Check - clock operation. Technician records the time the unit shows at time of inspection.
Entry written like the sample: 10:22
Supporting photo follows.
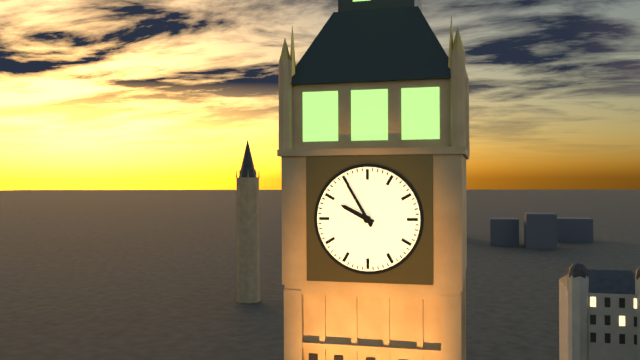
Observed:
9:55
